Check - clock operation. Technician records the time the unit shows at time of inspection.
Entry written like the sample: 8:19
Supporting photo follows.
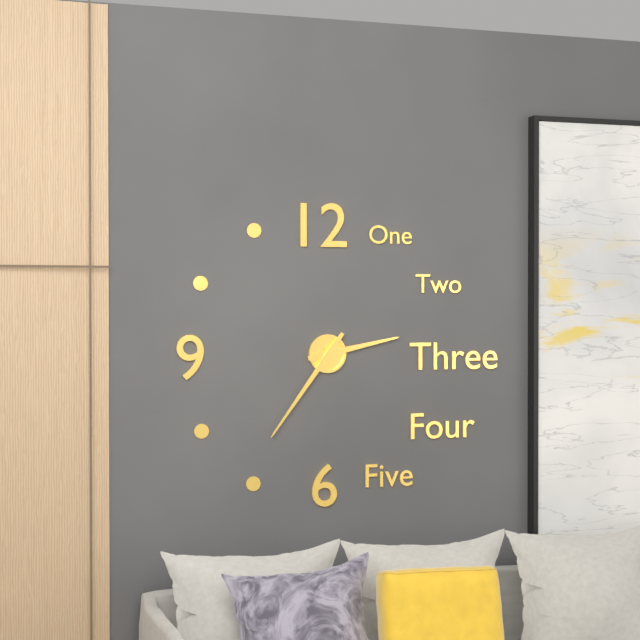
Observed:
2:36
